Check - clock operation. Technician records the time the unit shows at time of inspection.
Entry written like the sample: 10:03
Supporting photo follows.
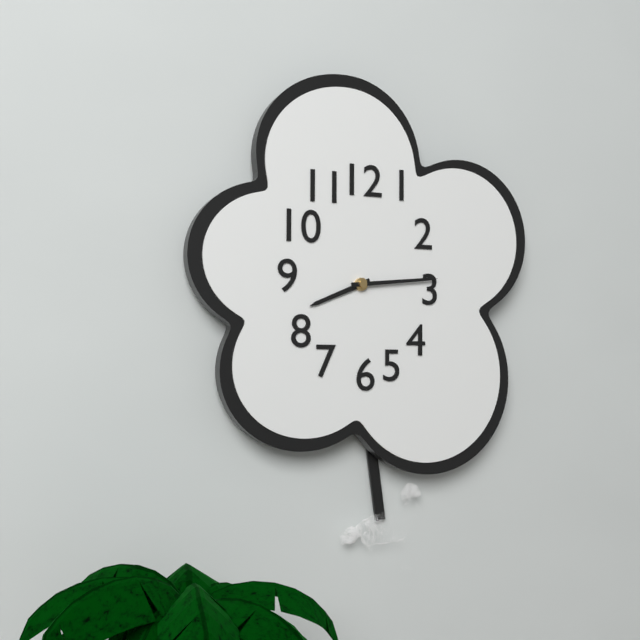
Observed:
8:14
